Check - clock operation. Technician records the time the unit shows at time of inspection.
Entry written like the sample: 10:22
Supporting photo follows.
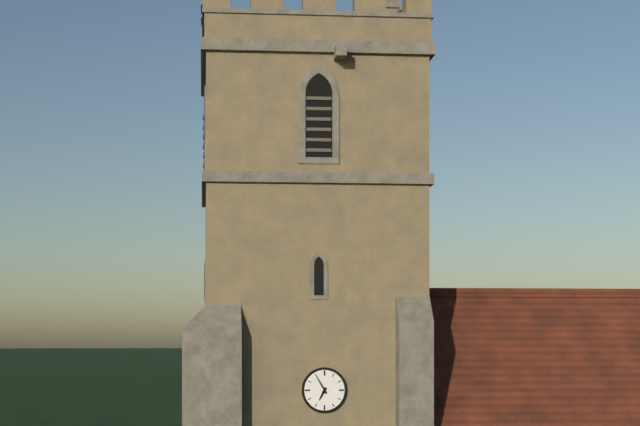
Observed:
6:55
